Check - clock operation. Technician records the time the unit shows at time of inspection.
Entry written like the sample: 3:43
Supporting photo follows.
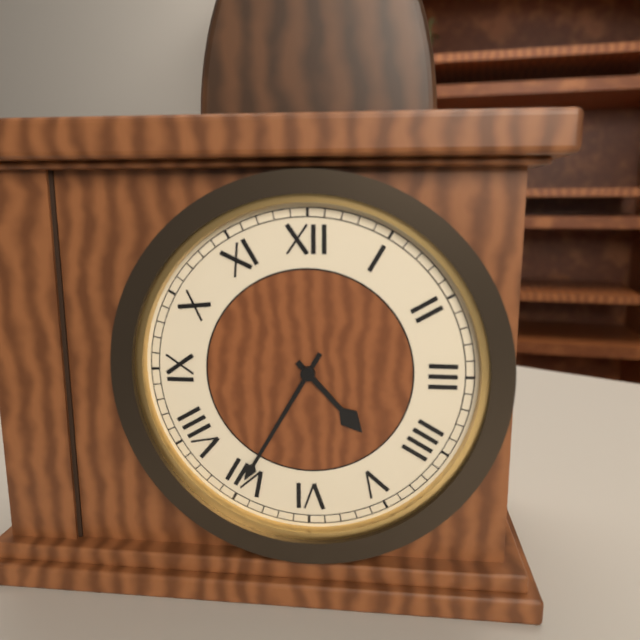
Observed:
4:35
